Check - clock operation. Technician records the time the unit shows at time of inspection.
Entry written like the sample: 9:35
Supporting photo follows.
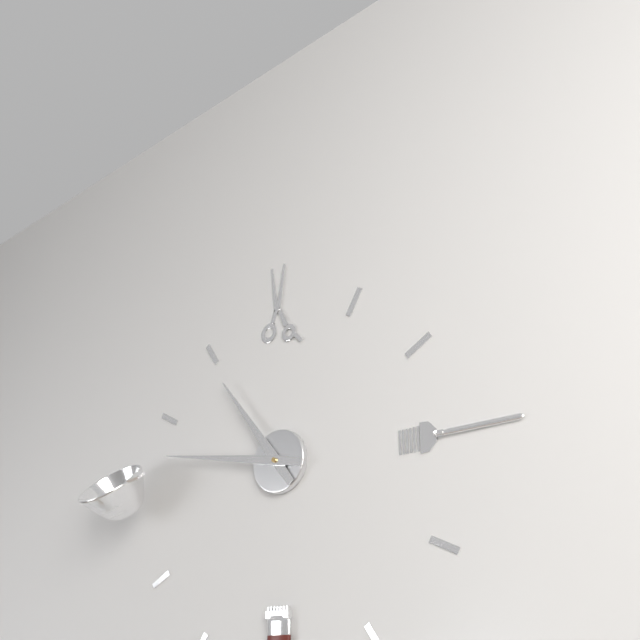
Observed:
10:47
